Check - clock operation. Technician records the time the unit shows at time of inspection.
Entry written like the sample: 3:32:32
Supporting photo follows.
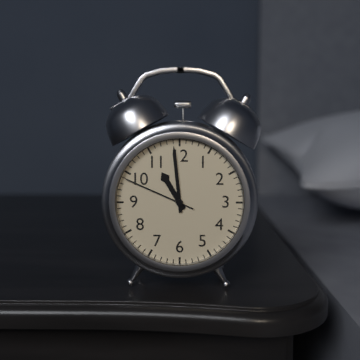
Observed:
10:59:49
